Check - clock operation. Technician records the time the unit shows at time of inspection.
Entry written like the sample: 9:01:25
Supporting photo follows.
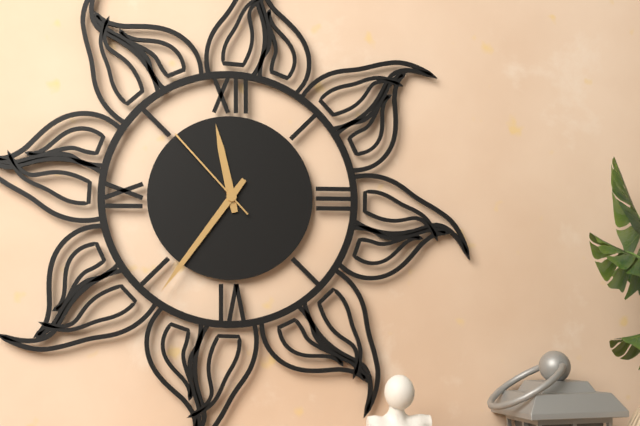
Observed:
11:36:53
